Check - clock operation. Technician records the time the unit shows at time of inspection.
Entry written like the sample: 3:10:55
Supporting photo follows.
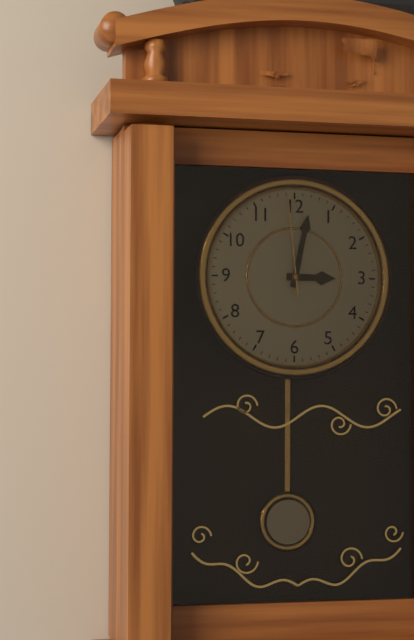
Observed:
3:02:59
